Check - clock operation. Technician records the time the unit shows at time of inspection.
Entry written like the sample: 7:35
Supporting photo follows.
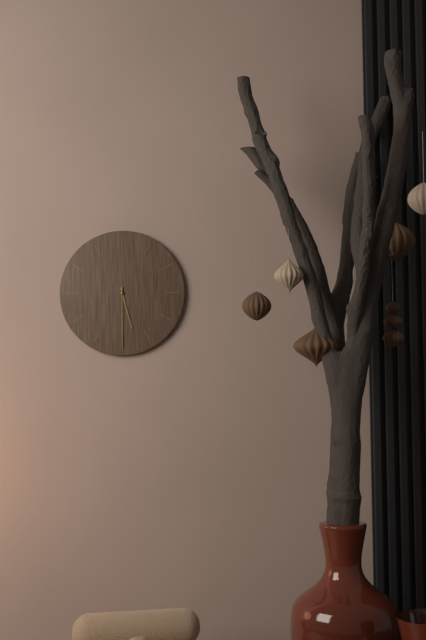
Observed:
5:30
